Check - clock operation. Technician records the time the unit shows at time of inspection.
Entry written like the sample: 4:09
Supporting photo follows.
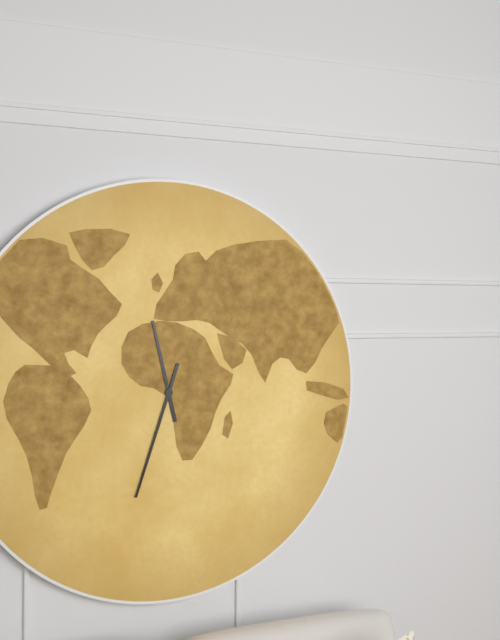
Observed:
11:33
